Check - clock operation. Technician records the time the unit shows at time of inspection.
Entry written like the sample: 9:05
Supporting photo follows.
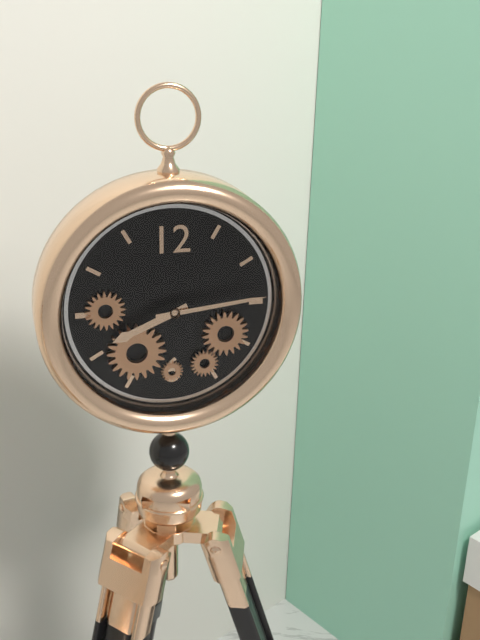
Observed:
8:14
